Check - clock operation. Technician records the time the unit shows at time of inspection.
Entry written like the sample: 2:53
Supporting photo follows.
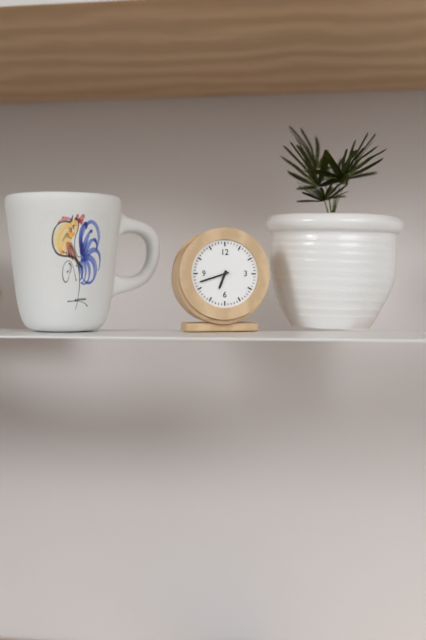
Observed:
6:42
